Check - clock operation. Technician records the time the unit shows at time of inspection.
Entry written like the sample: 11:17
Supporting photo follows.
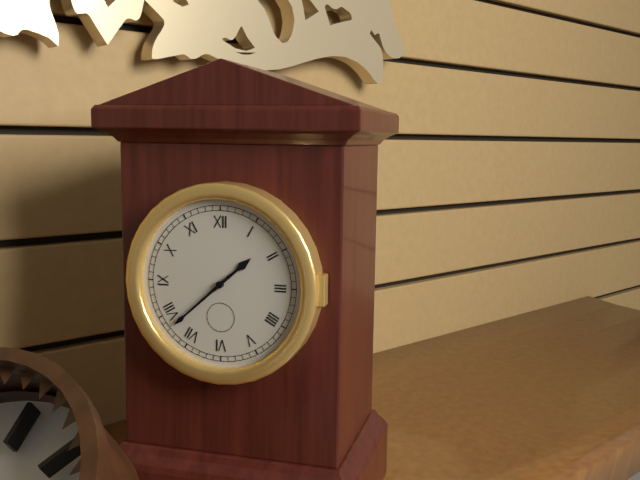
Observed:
1:38
